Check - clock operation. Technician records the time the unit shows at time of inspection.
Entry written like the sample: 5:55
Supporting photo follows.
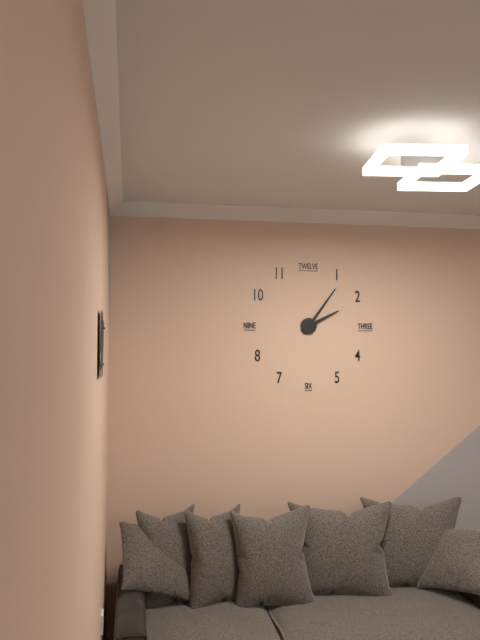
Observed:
2:06
